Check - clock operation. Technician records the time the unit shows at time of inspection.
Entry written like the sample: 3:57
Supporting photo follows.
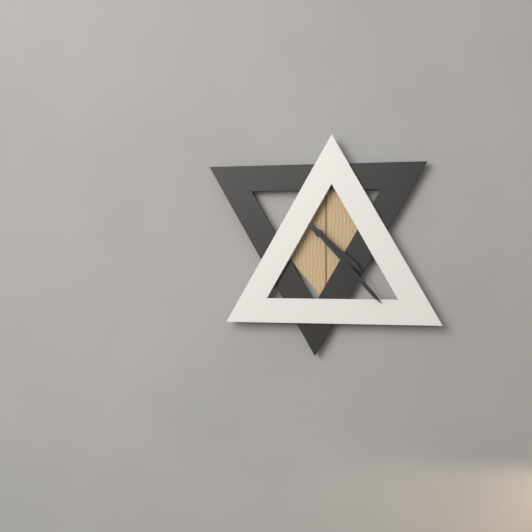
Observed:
4:23
